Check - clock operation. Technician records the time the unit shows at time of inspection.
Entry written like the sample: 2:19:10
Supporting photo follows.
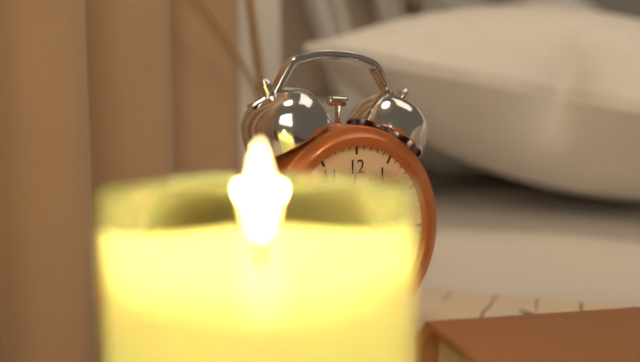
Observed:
10:15:27
